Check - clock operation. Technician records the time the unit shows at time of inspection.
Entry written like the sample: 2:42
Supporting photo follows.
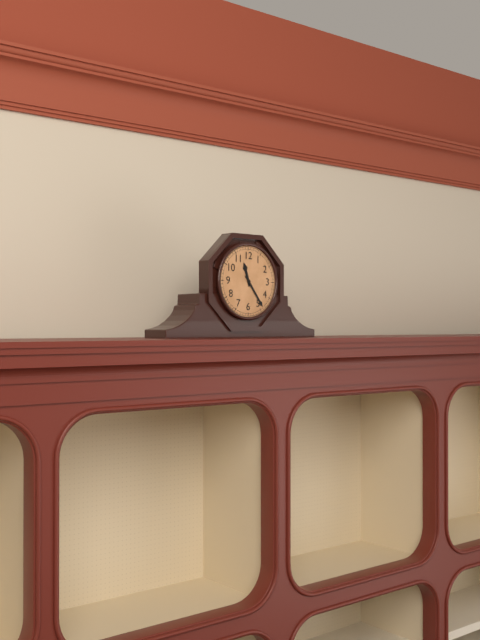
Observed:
11:24
